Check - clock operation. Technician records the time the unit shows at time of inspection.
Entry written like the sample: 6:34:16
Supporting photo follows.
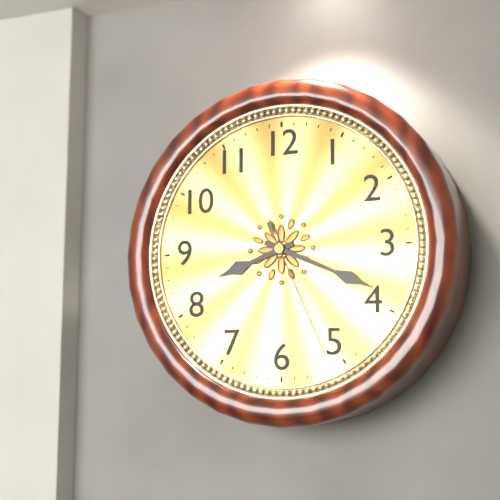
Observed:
8:19:26
